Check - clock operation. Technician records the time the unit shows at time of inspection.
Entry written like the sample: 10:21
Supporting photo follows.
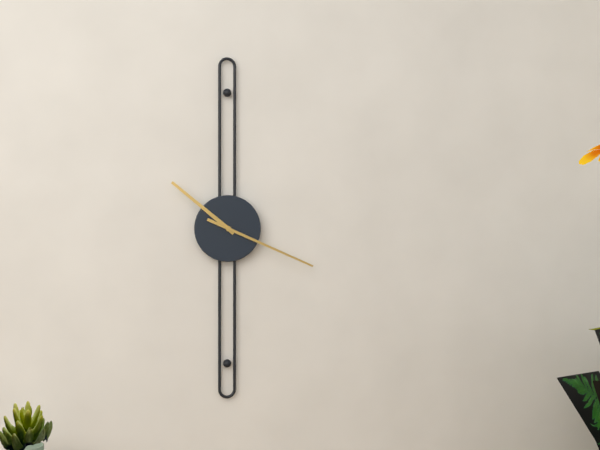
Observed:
10:19
